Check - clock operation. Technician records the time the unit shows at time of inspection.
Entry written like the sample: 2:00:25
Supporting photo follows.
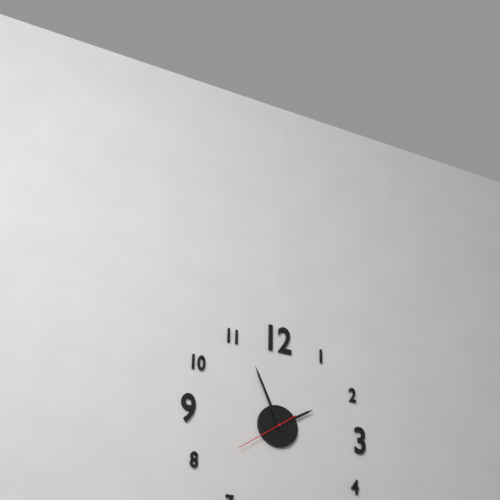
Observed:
1:56:39
